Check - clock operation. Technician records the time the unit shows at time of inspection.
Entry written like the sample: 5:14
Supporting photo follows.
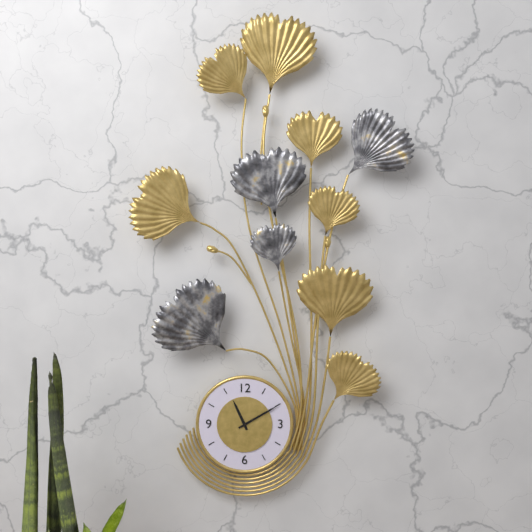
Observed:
11:10
